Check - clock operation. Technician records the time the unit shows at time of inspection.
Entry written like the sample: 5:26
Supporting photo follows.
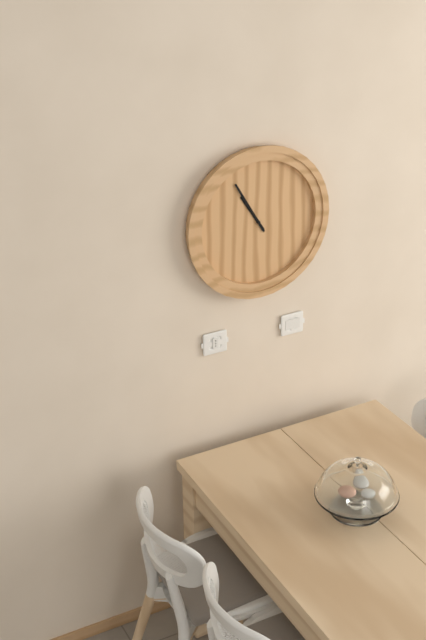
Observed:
10:55
